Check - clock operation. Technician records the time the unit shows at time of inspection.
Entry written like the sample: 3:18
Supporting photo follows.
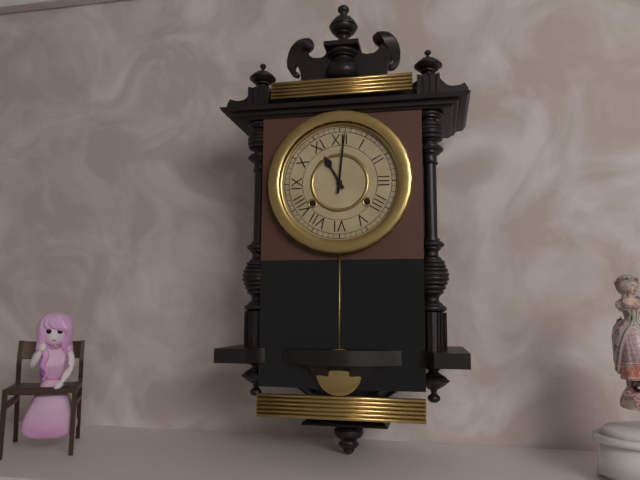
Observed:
11:01
